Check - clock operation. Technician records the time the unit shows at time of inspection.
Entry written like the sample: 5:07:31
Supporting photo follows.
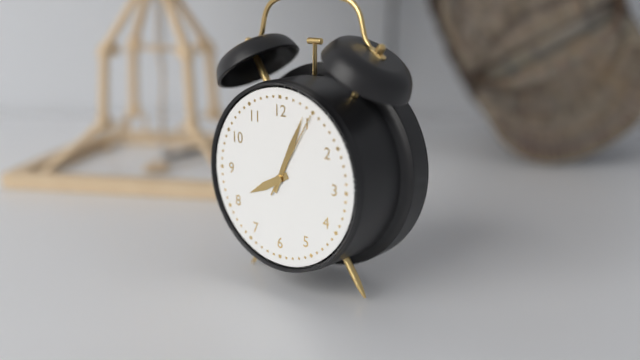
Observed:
8:04:05
